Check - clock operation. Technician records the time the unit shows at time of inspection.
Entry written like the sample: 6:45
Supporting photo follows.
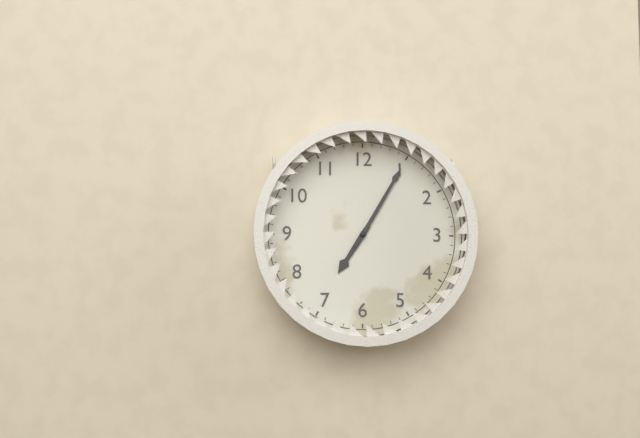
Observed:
7:05
